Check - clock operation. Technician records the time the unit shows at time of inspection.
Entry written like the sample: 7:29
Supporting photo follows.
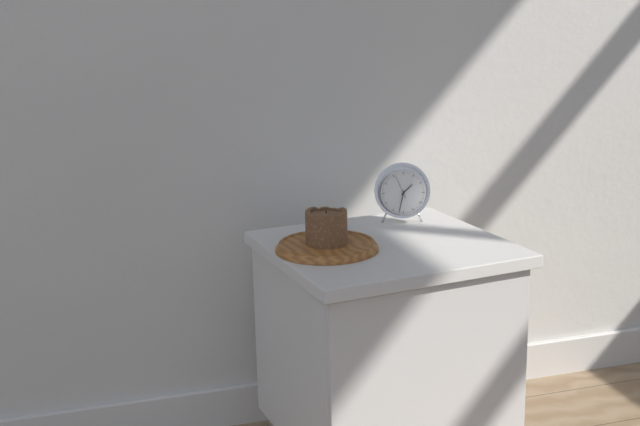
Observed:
1:32
